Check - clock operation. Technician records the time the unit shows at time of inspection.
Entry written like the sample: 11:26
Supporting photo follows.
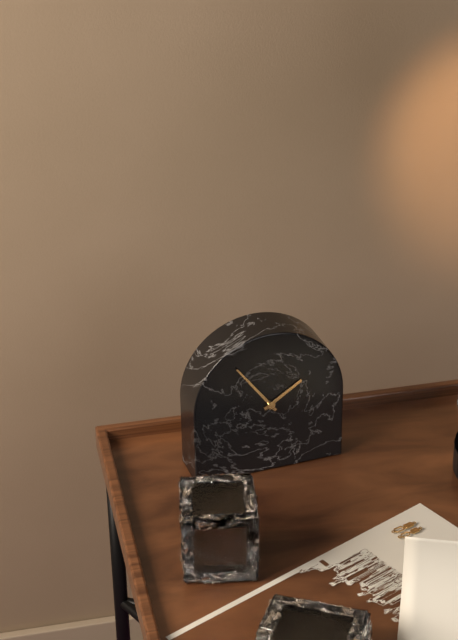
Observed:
1:54
